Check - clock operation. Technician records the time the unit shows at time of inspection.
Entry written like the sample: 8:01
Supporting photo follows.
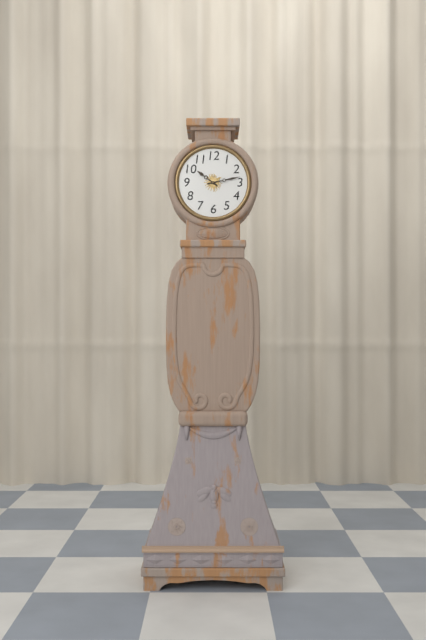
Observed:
10:13
